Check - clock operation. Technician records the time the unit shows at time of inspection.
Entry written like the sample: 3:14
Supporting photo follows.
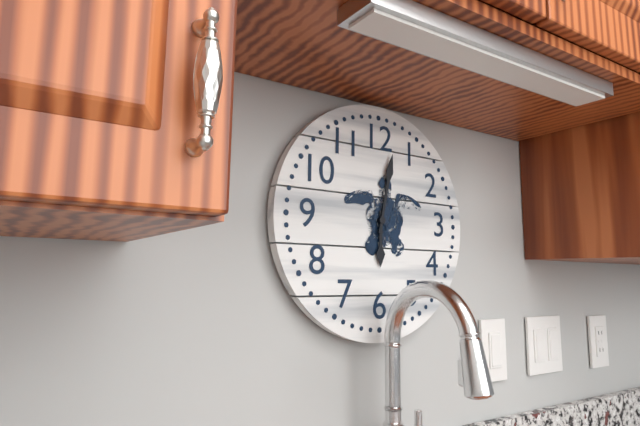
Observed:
6:02
